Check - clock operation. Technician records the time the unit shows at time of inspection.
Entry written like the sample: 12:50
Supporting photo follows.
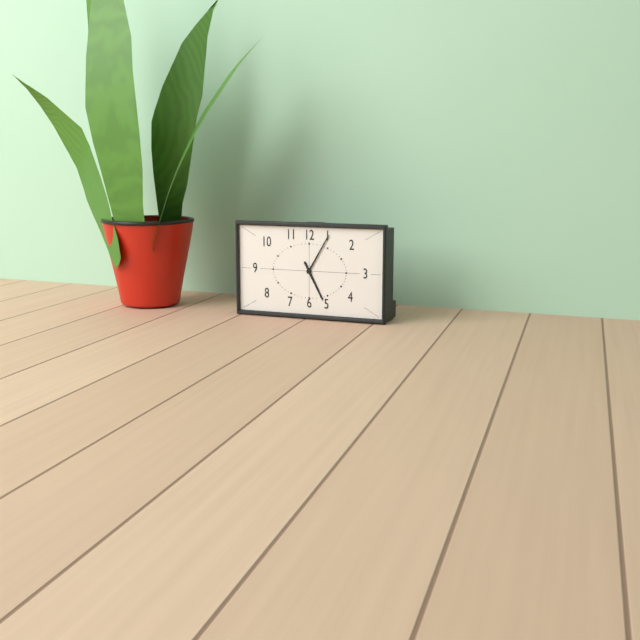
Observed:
5:05
